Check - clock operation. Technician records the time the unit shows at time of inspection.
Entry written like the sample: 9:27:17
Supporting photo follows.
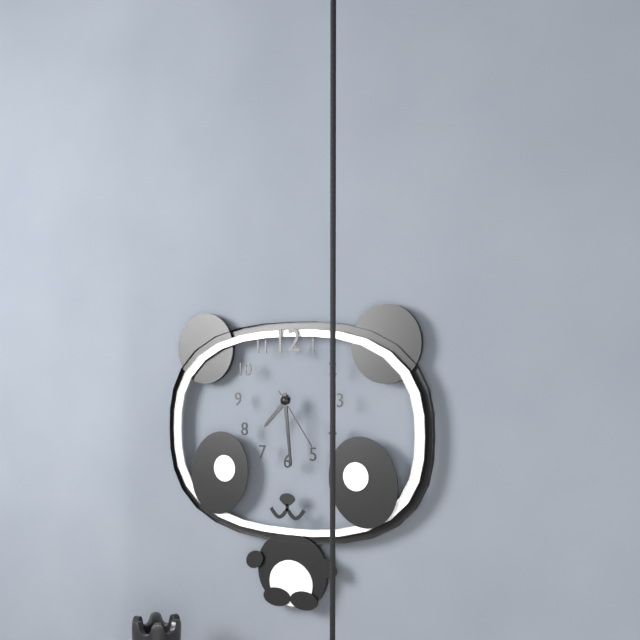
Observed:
7:29:24
